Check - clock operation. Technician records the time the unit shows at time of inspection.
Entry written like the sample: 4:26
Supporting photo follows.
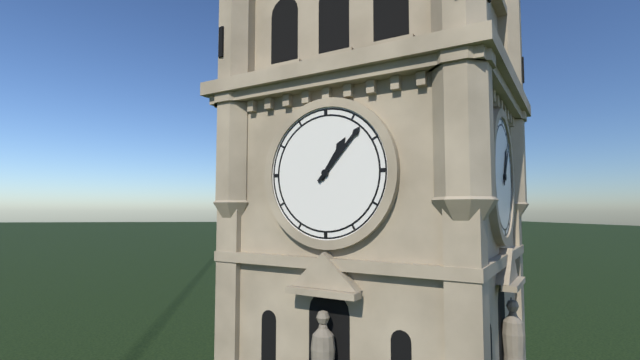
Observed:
1:07
